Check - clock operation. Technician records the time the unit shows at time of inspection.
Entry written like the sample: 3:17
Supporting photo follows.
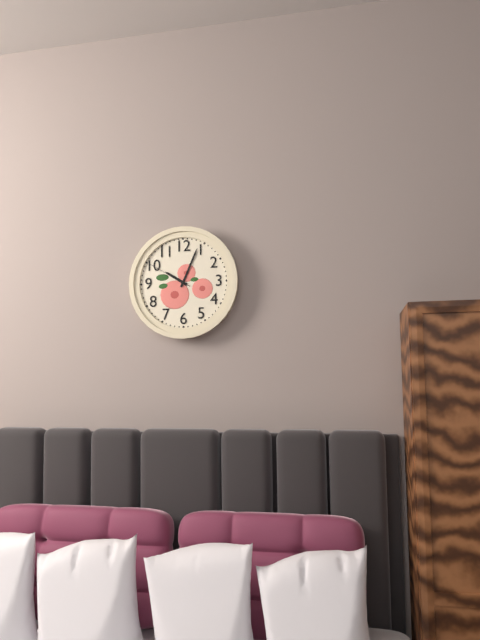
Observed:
10:04
